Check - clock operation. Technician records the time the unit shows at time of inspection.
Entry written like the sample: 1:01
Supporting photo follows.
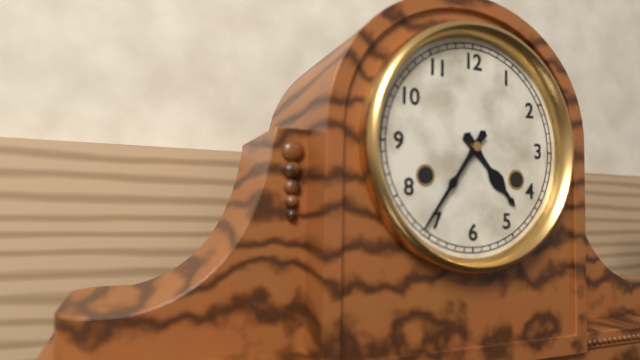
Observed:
4:36
